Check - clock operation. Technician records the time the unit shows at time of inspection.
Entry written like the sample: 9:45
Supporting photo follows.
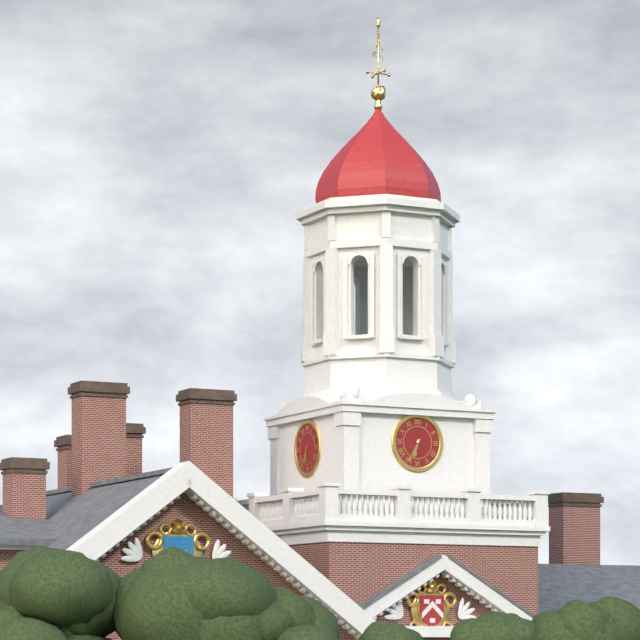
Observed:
6:35
